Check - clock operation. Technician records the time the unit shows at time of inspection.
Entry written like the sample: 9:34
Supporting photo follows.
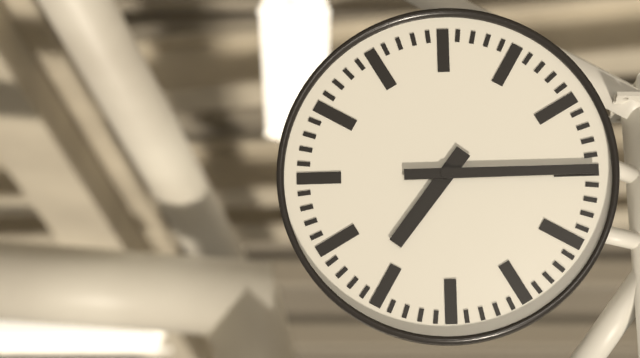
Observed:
7:15
